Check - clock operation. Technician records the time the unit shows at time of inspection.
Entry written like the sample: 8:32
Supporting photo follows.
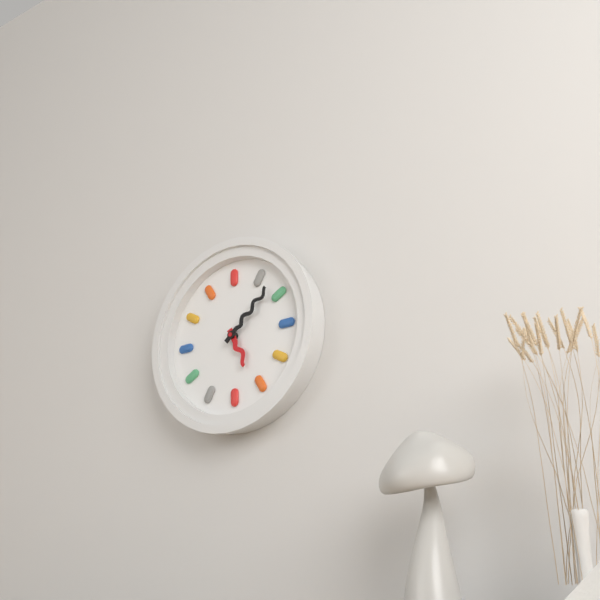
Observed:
5:08
